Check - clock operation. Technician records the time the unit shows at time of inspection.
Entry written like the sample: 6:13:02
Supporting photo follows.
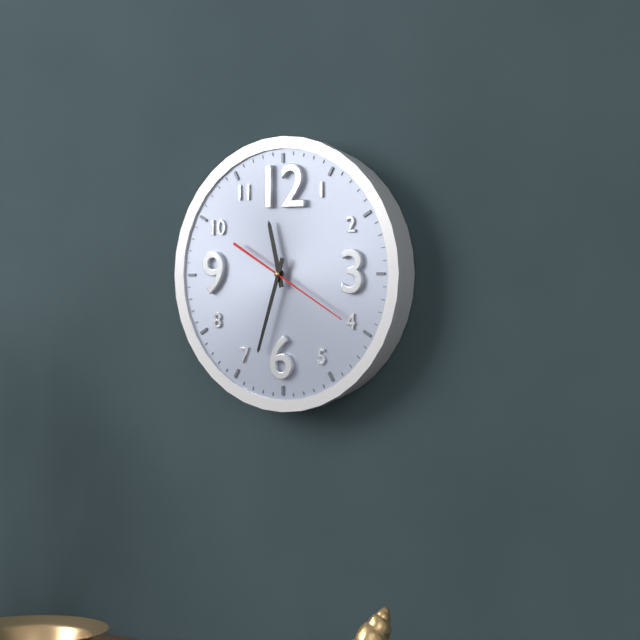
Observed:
11:33:20
